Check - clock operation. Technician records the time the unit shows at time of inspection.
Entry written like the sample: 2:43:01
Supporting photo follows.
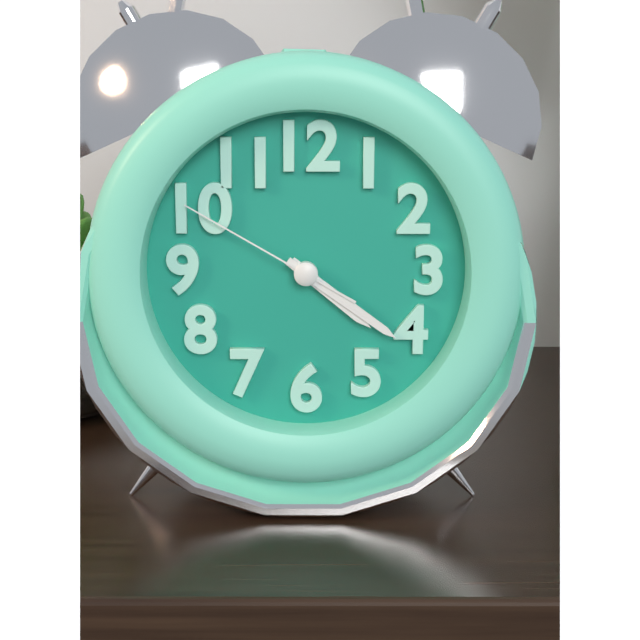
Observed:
4:21:50
